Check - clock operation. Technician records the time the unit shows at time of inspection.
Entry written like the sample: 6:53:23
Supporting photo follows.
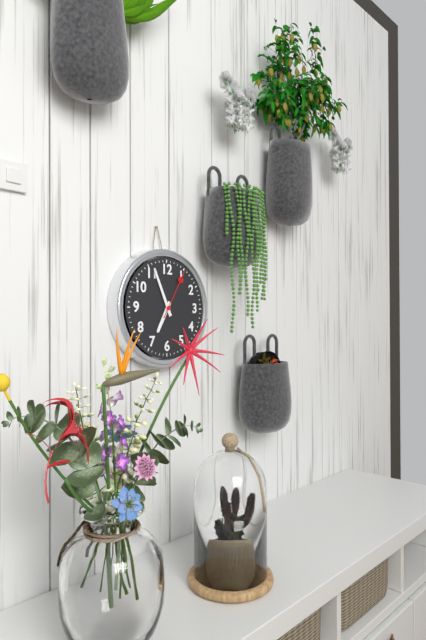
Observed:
6:56:05
